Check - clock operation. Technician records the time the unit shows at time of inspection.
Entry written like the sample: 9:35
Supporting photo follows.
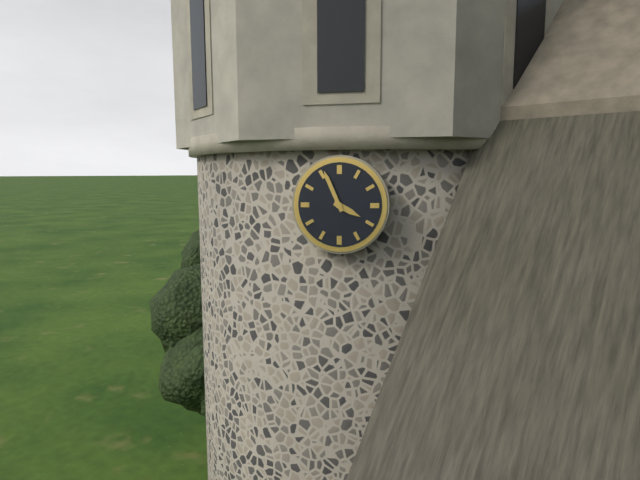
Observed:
3:56
